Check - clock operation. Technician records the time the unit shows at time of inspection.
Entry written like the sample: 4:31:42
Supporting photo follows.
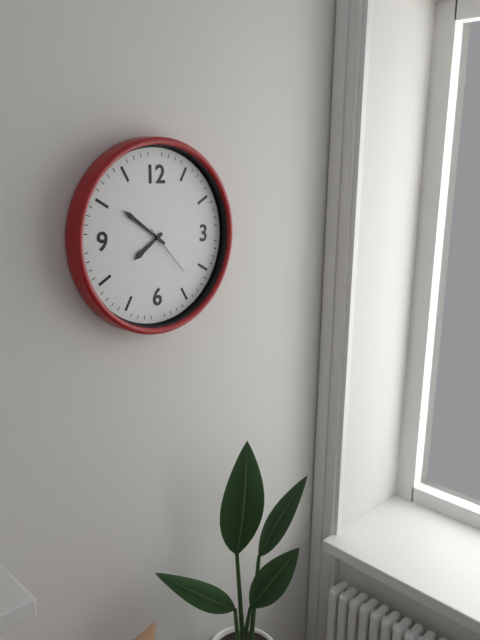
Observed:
7:51:23
